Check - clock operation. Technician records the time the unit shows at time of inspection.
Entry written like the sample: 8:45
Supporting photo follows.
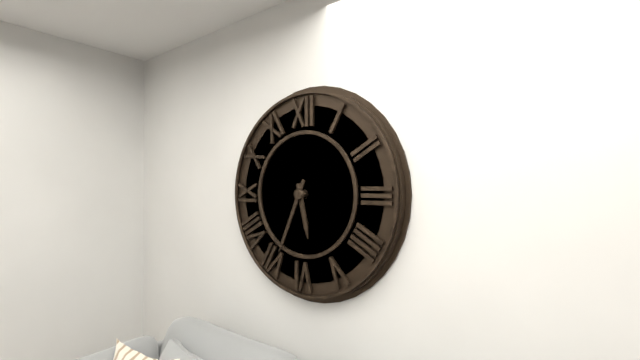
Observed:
5:34
